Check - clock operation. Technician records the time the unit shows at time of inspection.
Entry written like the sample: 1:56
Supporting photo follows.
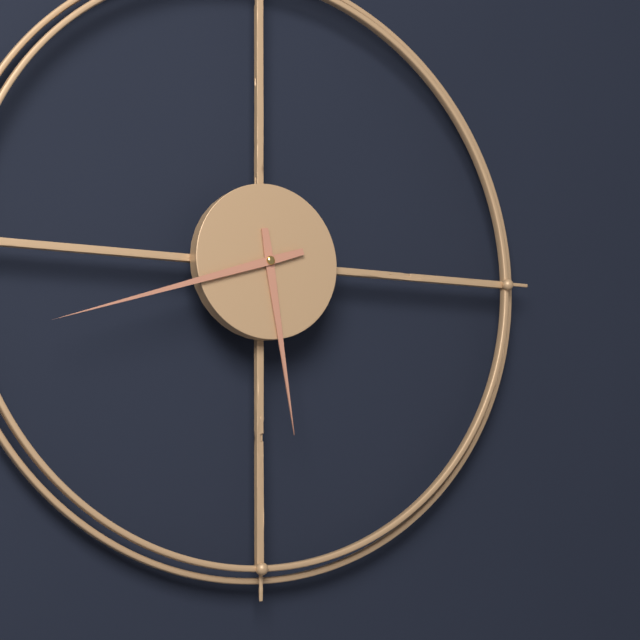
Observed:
5:42
